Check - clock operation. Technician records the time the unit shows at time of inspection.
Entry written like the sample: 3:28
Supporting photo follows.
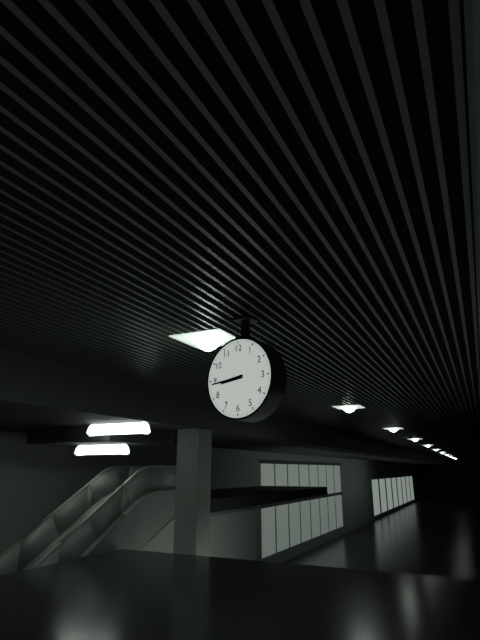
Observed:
8:44
